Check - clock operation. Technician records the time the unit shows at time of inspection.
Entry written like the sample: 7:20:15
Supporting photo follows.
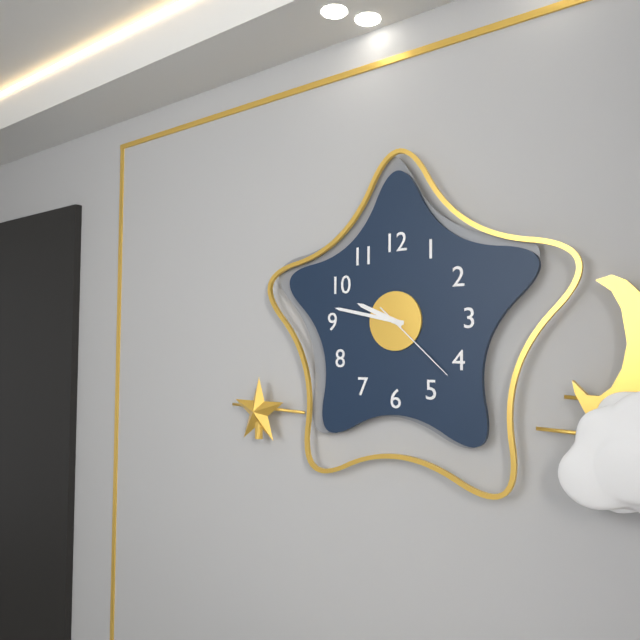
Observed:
9:47:22
